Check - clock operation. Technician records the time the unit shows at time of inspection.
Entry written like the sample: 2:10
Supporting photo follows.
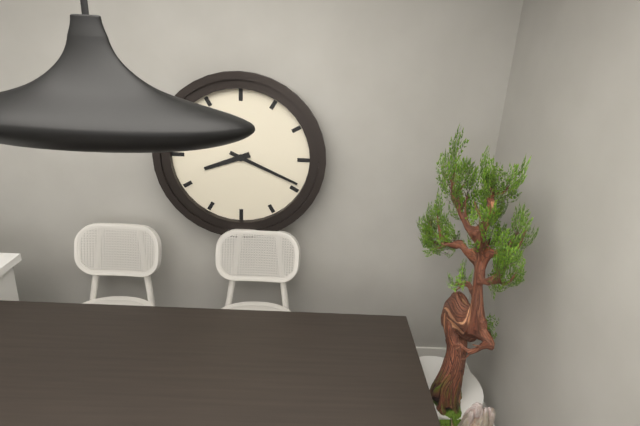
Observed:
8:19
